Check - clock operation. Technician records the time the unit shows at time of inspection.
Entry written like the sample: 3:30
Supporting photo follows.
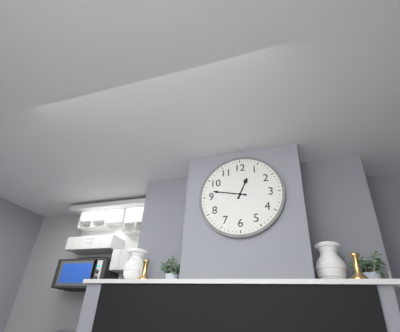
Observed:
12:47
